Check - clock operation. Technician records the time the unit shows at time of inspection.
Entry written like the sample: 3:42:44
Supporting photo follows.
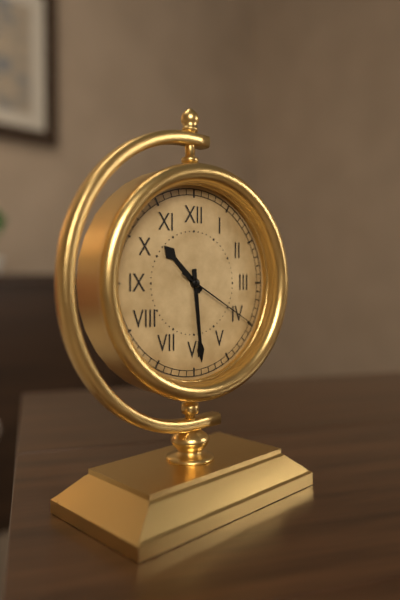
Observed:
10:29:20
